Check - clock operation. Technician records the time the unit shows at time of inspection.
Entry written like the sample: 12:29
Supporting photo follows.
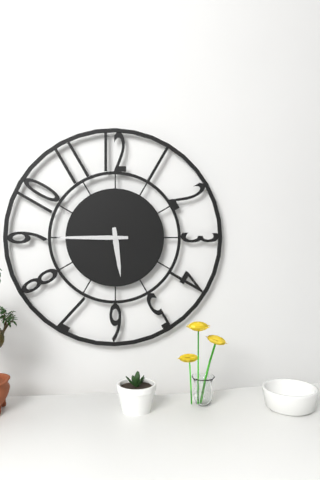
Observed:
5:45
